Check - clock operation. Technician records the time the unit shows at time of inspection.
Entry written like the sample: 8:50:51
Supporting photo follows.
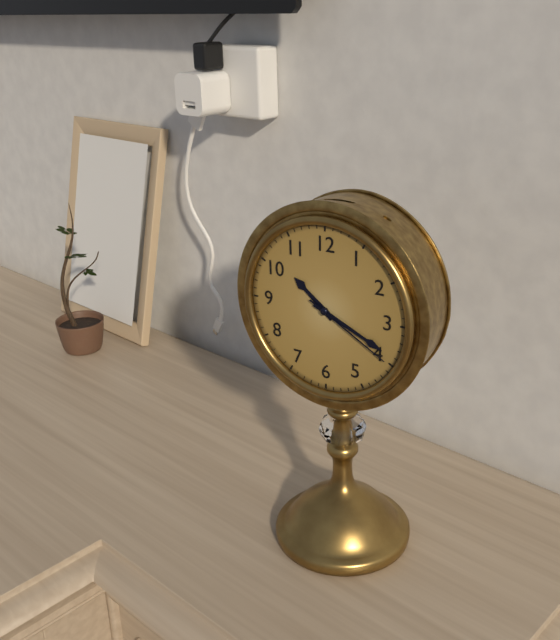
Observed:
10:19:20
